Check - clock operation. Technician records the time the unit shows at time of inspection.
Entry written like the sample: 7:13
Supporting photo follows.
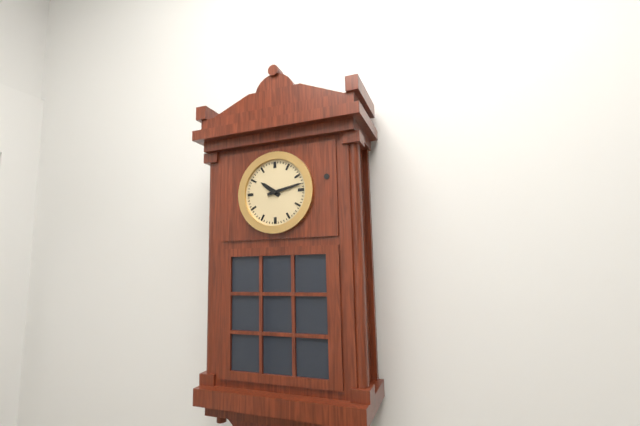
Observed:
10:13
